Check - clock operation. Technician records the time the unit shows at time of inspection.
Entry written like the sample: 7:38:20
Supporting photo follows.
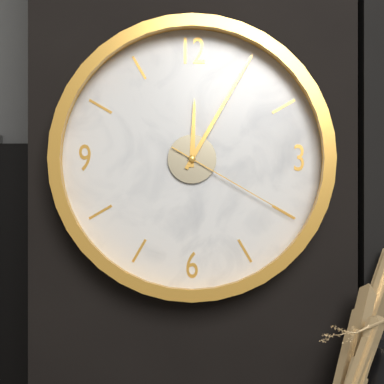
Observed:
12:05:20
